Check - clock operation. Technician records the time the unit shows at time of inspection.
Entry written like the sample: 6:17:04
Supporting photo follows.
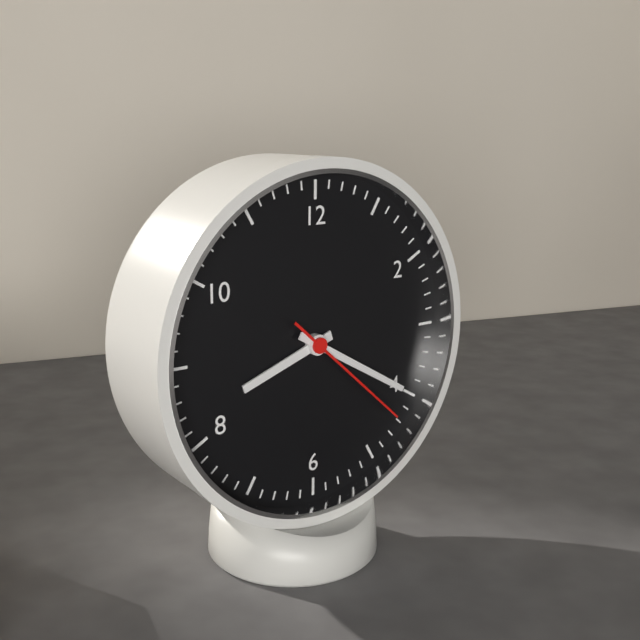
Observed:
8:20:22
